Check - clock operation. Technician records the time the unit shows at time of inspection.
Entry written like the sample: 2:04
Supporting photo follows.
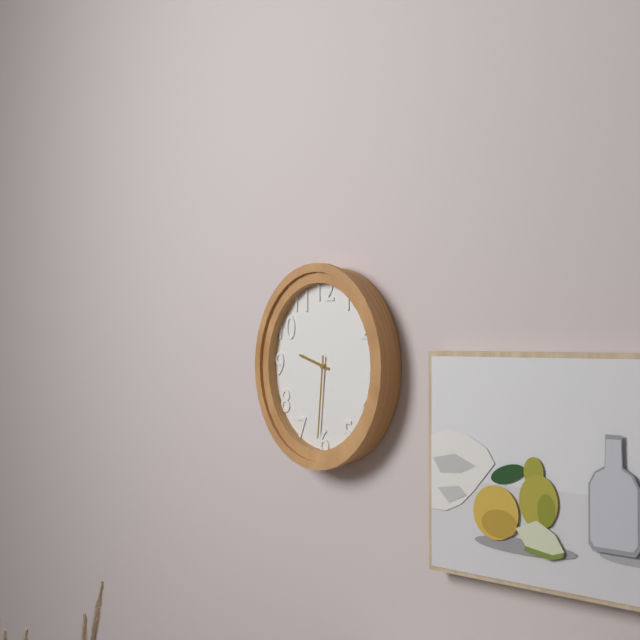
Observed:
9:31
